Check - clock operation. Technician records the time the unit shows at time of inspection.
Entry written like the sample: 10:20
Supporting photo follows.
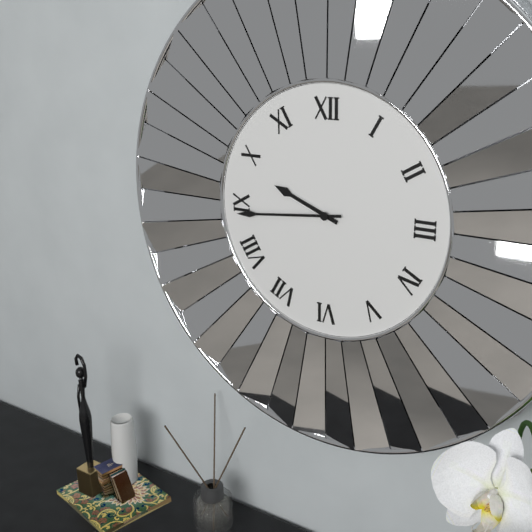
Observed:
9:44
